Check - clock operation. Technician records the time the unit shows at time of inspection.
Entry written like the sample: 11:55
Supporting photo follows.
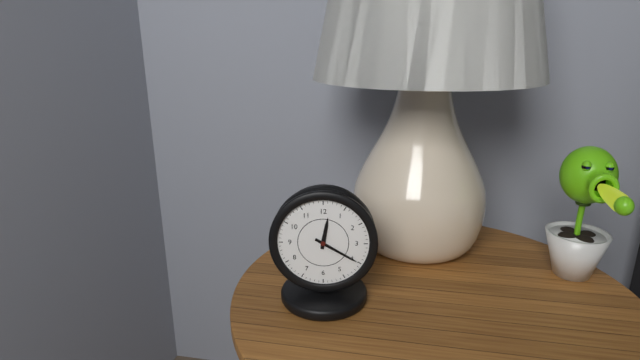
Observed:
12:20
